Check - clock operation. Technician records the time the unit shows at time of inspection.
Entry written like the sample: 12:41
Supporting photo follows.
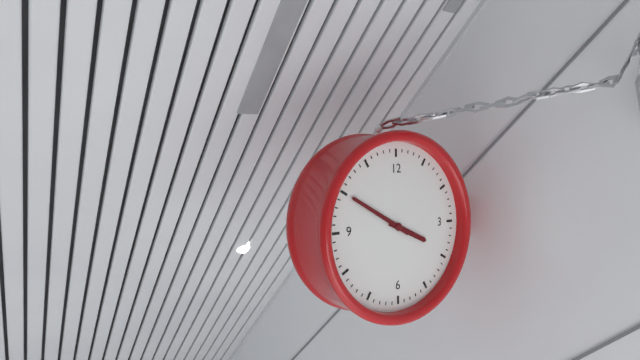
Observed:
3:50
